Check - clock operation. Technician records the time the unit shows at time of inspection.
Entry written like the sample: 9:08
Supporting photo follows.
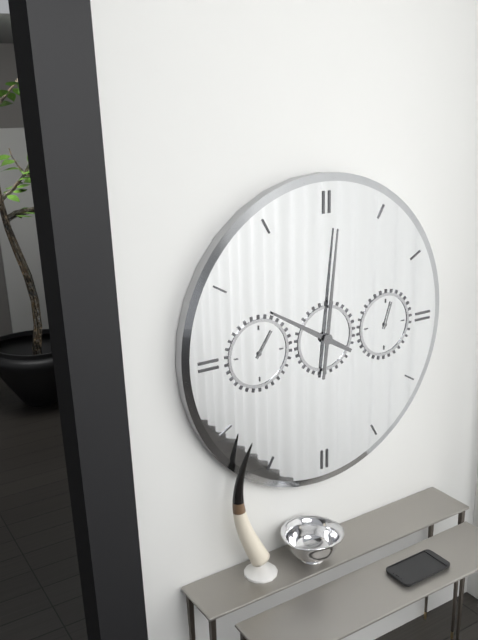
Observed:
10:01
